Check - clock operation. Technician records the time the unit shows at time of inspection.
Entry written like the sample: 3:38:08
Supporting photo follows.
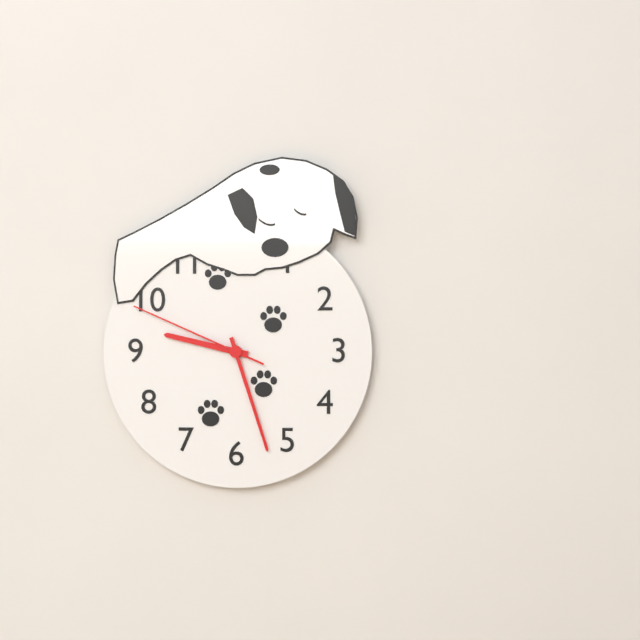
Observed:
9:27:49
